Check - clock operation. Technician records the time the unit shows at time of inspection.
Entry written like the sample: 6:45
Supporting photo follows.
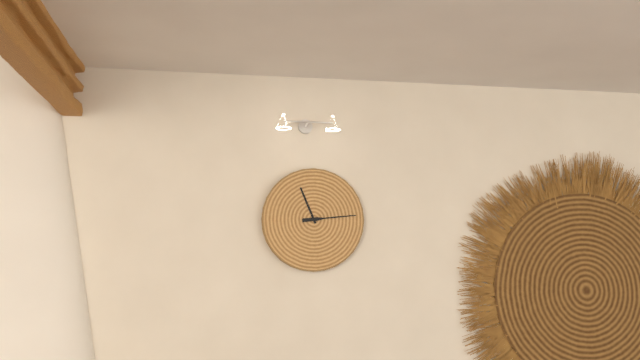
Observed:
11:14
